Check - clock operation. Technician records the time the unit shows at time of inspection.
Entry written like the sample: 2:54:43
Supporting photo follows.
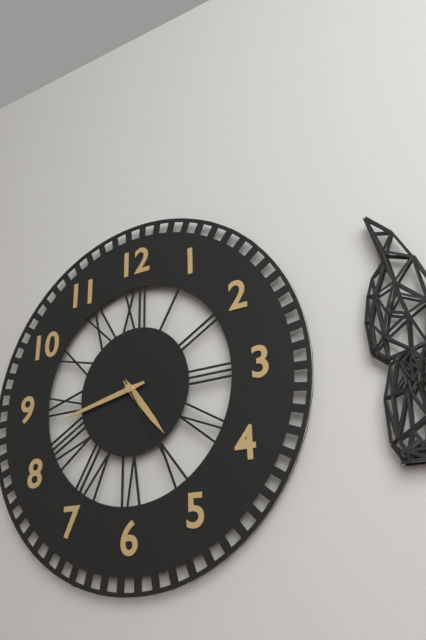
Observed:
4:43:25
